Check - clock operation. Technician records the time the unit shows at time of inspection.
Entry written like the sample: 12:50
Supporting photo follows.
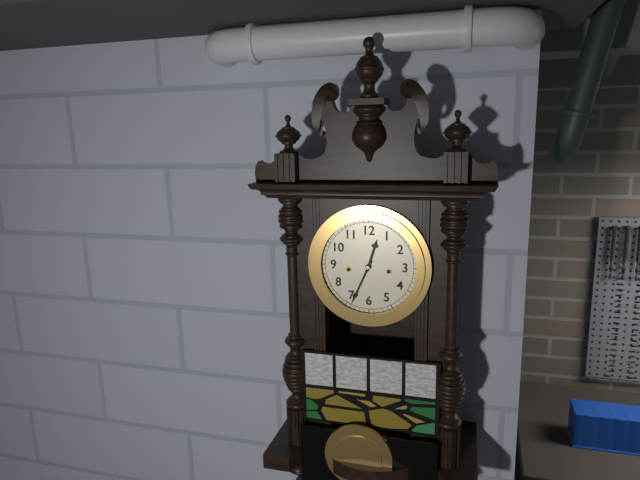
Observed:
12:34
